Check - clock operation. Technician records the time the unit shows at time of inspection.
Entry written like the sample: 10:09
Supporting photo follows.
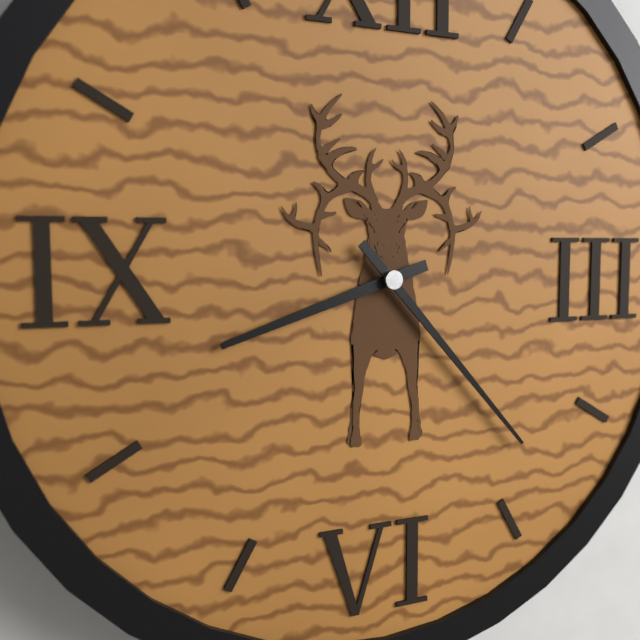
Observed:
8:23
